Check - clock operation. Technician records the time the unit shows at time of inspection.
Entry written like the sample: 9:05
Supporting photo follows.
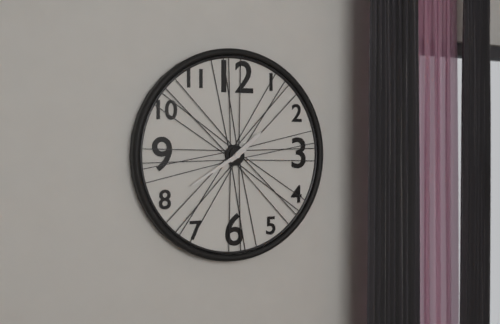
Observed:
1:40
